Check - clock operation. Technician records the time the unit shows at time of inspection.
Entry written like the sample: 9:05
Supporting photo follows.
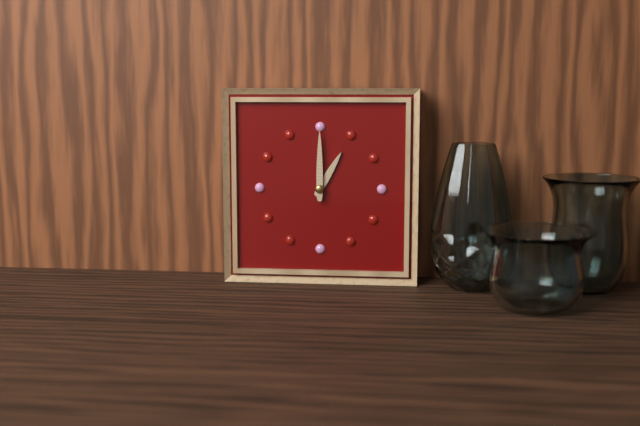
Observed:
1:00
